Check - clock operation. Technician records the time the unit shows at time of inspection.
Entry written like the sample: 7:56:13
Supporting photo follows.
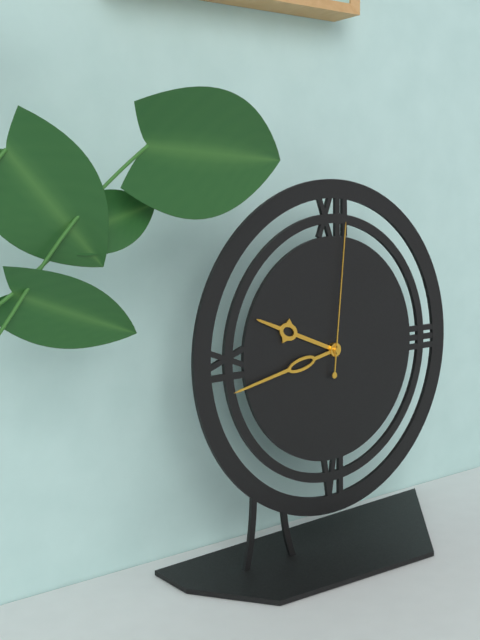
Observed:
9:43:01
